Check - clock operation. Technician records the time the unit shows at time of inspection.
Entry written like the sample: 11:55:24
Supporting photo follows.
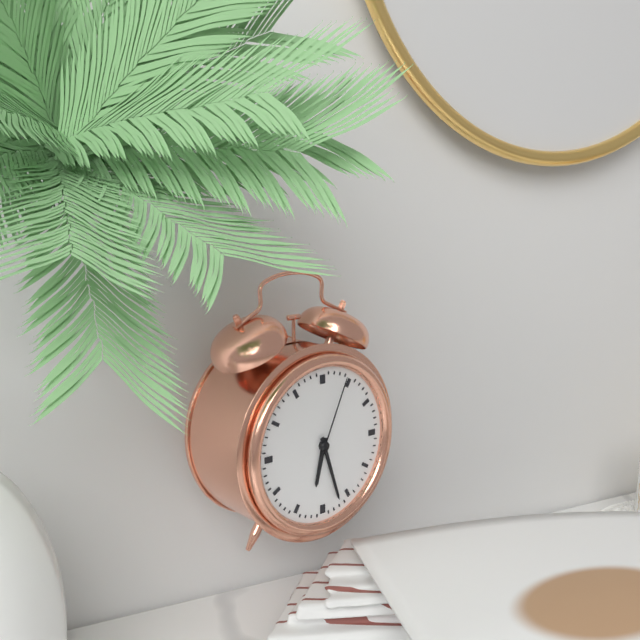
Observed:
6:27:04
